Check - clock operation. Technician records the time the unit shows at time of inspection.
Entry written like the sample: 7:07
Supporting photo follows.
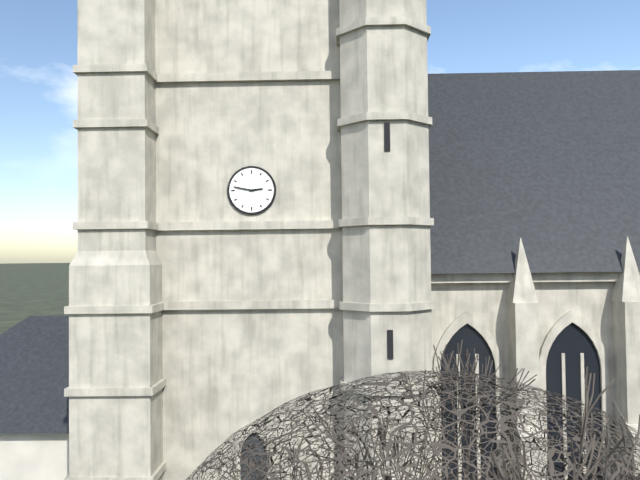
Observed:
2:47
